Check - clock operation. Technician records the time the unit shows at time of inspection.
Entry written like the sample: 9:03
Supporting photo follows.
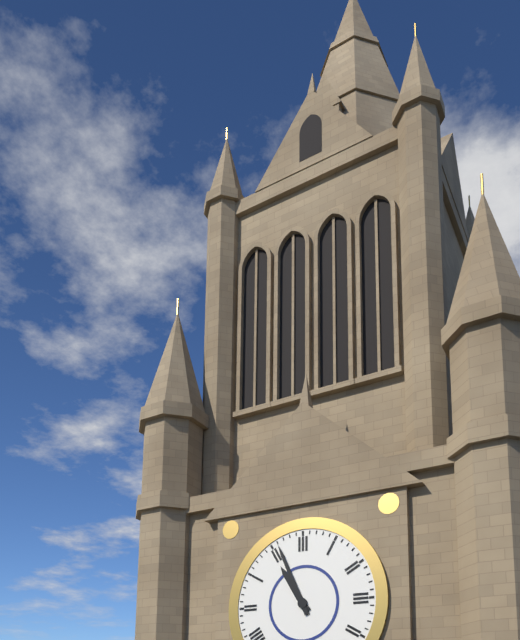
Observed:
10:56
